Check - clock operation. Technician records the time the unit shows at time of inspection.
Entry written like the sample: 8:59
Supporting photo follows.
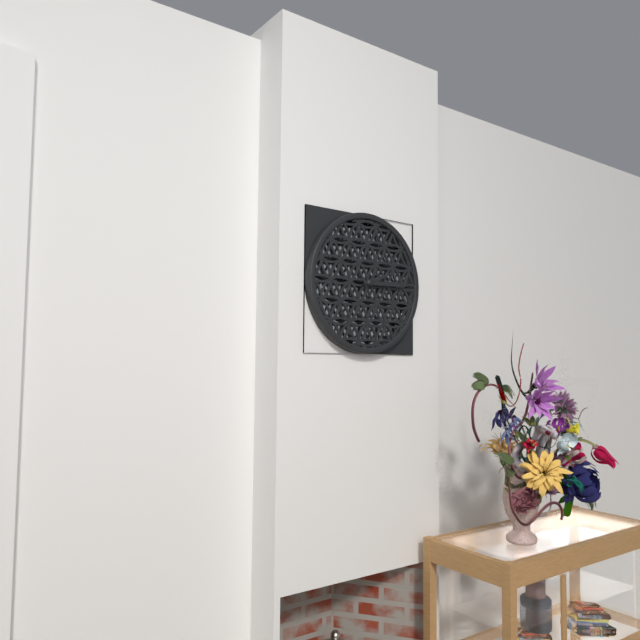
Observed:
2:15
